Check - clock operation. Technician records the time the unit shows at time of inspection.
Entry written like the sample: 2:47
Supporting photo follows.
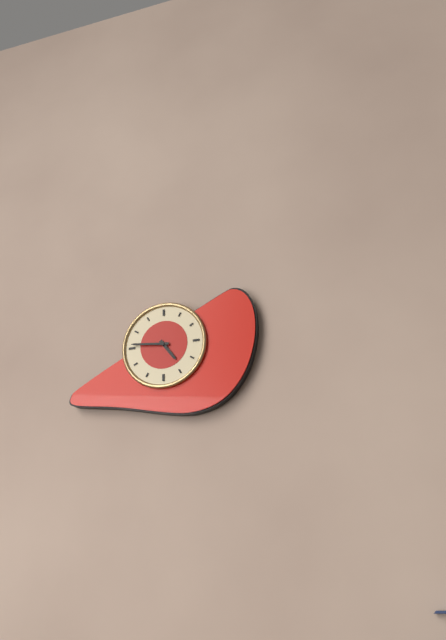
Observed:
4:46
